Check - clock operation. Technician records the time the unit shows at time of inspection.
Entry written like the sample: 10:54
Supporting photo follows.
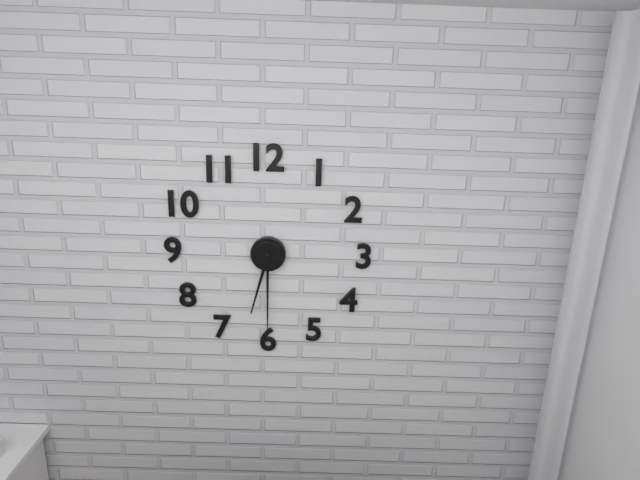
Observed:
6:30
